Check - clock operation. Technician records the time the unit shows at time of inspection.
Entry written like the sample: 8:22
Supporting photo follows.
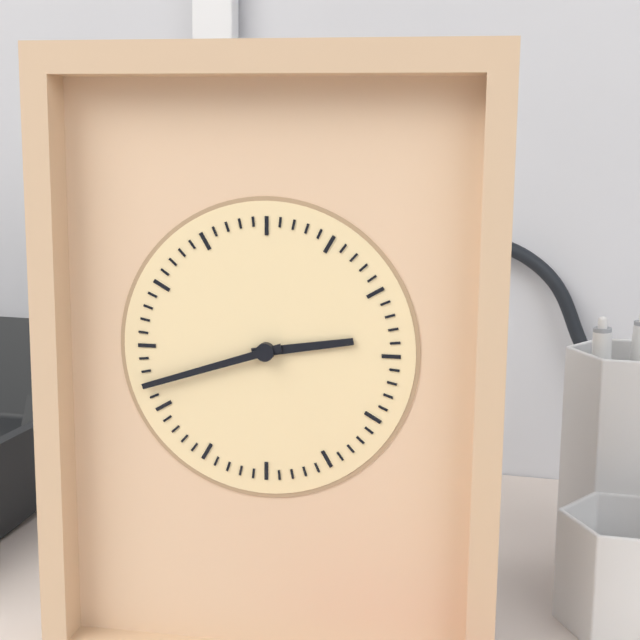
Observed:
2:42
